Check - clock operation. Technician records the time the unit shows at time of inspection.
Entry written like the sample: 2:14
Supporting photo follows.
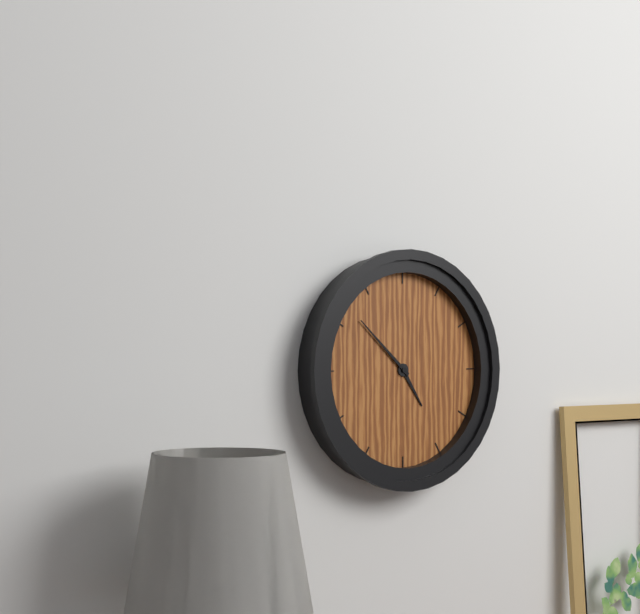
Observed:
4:52
